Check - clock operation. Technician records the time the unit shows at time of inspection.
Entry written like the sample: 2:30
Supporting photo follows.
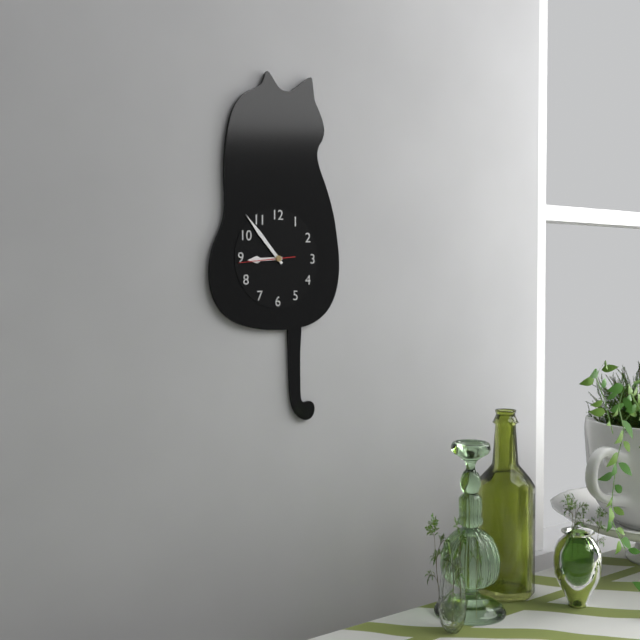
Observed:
8:53
